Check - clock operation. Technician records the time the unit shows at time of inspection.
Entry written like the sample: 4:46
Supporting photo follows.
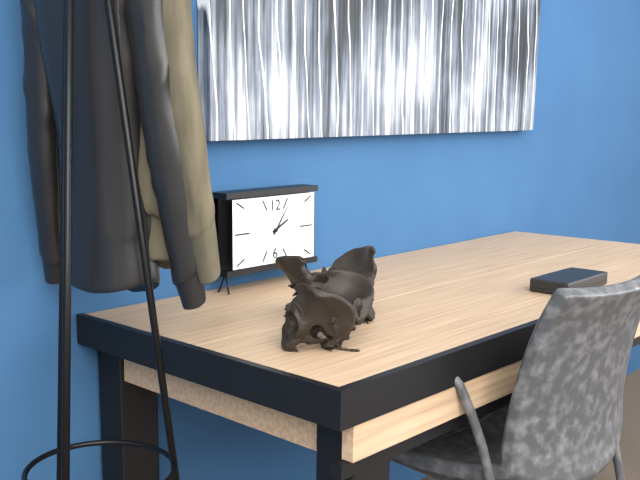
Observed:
2:06
